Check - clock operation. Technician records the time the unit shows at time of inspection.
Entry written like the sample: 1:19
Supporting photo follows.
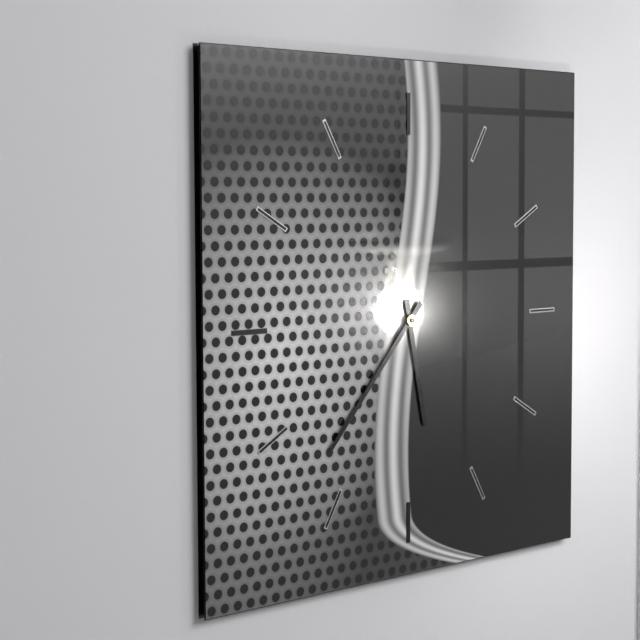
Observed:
5:37
